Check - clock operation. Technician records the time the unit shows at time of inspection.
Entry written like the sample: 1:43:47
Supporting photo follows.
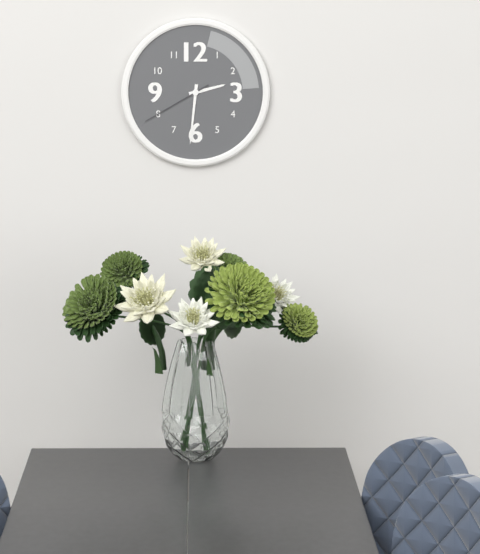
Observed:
2:31:40
